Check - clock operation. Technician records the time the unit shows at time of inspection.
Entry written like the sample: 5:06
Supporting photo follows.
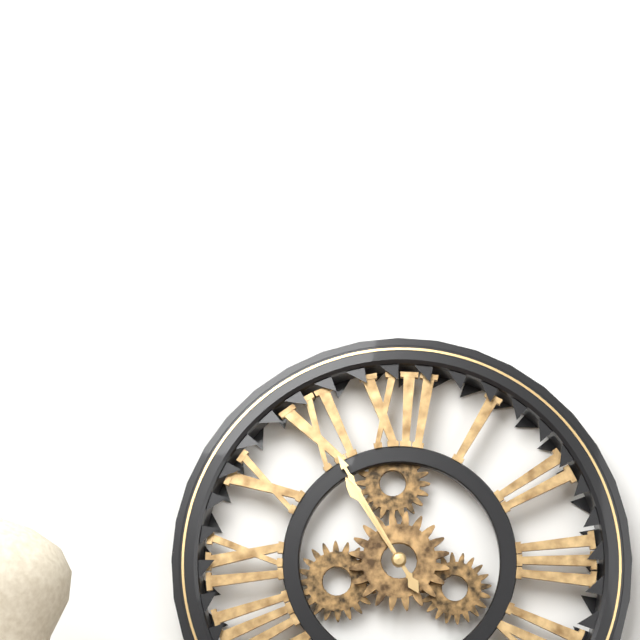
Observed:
10:55
